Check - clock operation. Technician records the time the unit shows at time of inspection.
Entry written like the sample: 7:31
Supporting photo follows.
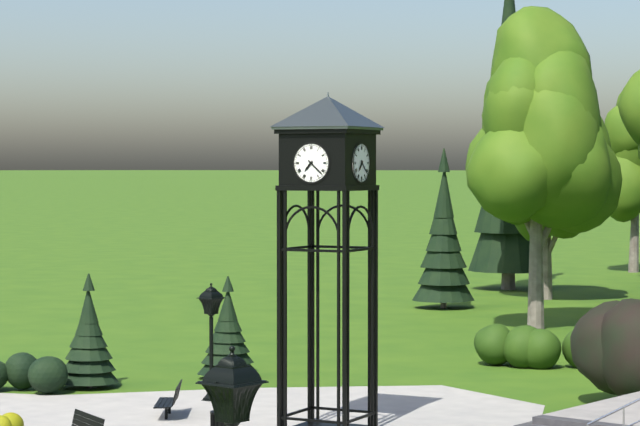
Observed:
7:22
